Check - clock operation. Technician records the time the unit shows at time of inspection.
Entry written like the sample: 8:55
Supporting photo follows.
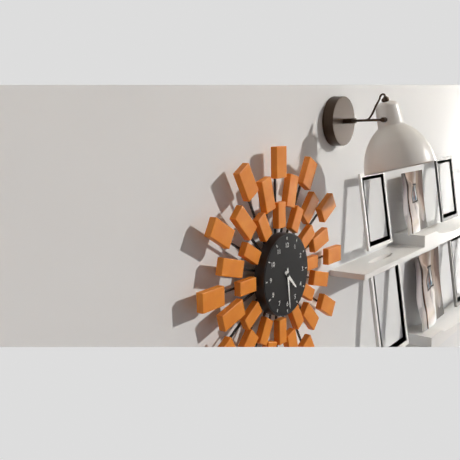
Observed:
4:29
